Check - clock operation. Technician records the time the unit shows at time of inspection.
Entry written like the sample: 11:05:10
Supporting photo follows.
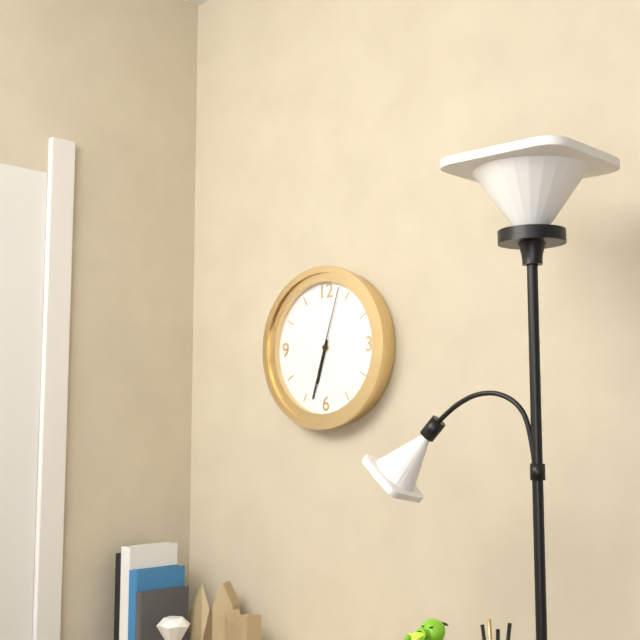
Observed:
6:33:03
